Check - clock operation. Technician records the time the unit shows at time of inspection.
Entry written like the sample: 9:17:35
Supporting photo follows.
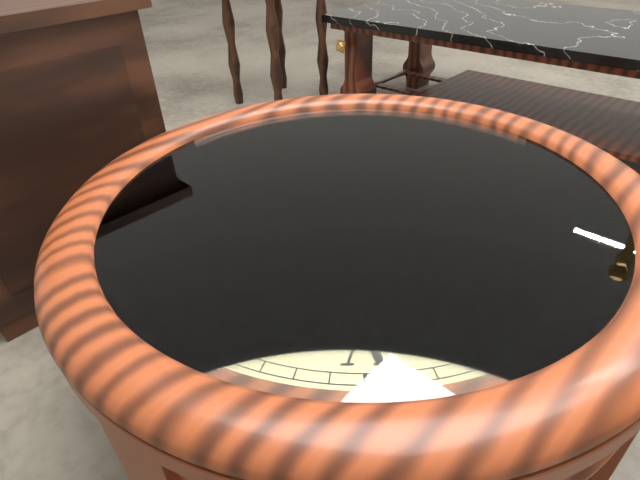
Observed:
9:02:48
